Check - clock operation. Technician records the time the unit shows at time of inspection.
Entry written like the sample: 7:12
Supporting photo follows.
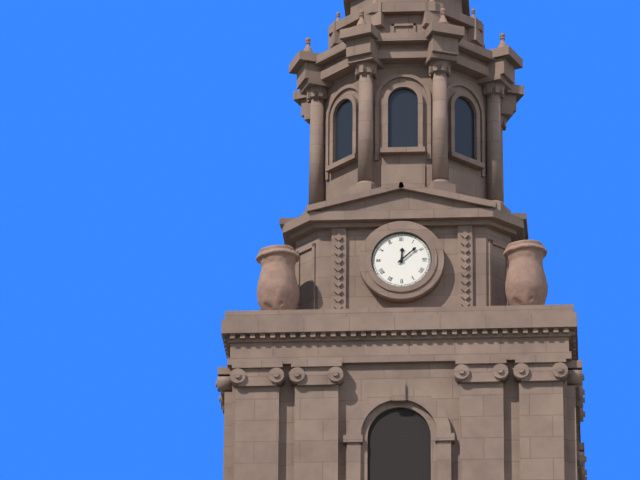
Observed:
12:08
